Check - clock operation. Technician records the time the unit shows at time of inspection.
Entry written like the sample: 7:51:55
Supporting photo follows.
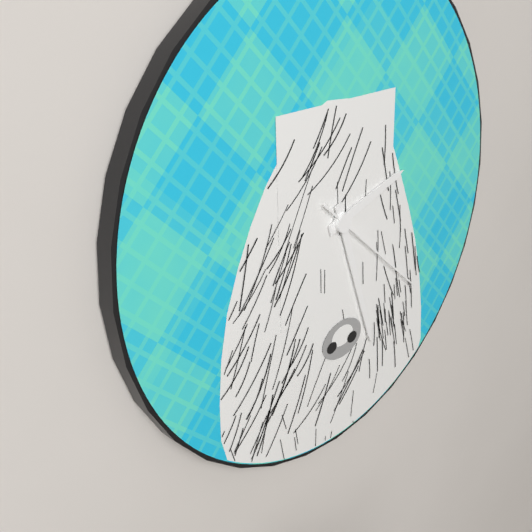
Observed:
2:27:22
